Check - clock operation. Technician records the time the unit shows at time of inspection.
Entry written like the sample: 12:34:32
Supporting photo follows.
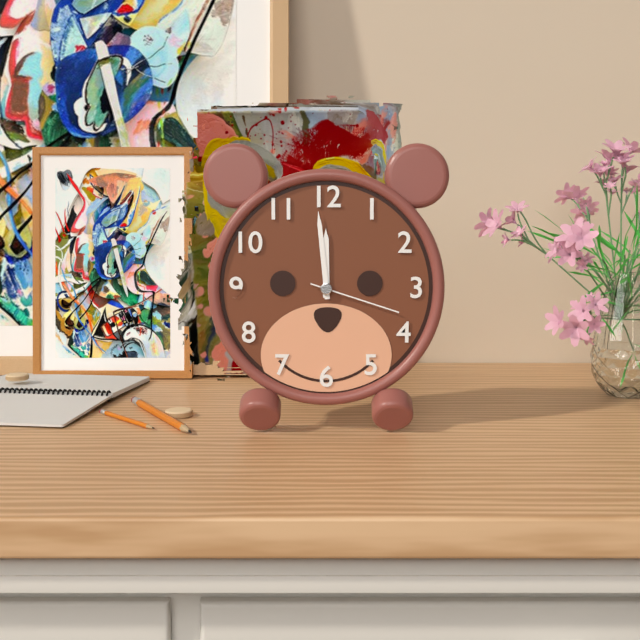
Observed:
11:59:18
